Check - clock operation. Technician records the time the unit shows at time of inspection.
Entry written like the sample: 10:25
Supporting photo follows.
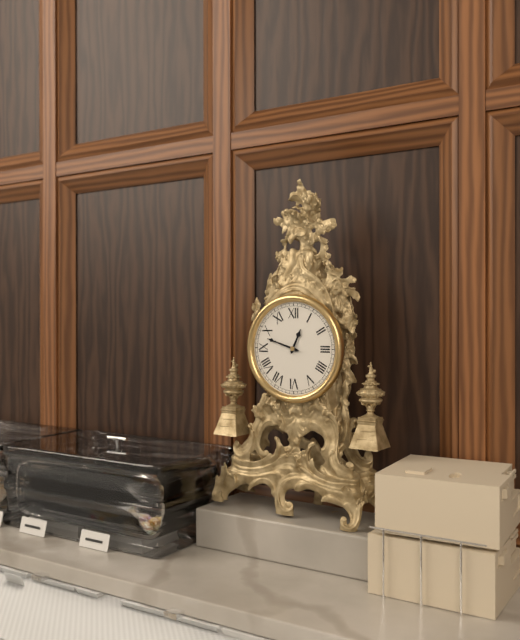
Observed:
12:48
